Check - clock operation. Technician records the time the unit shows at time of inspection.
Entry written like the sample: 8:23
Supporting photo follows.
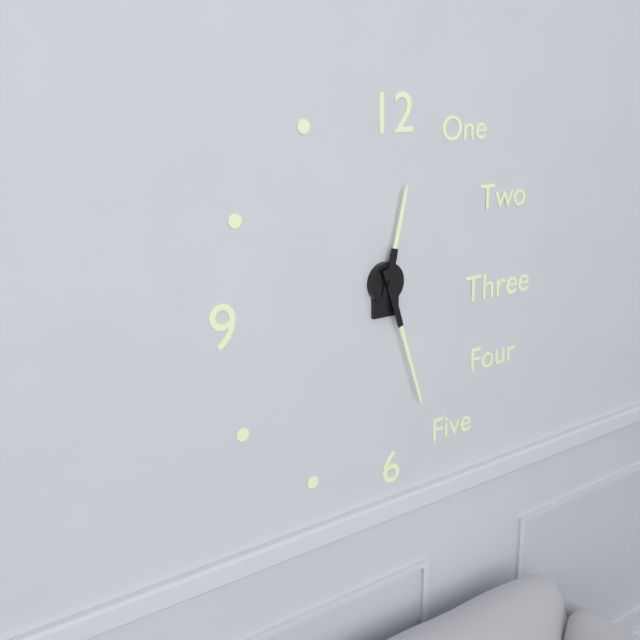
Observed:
12:27
